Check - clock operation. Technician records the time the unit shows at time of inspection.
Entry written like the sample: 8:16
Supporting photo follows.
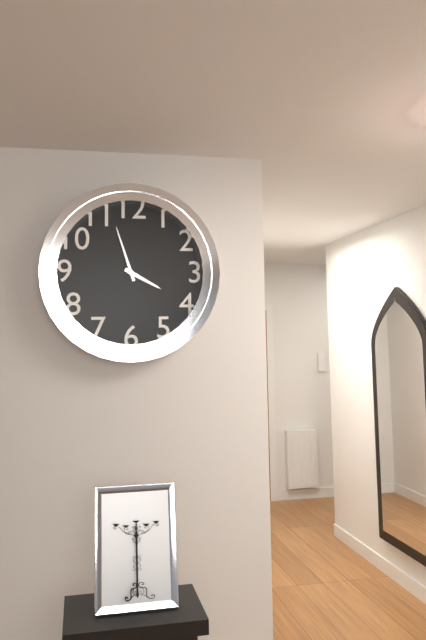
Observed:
3:57
